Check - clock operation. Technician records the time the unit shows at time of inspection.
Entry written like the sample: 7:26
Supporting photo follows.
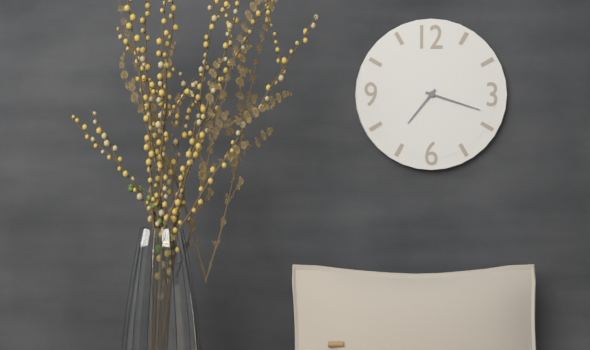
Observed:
7:18
